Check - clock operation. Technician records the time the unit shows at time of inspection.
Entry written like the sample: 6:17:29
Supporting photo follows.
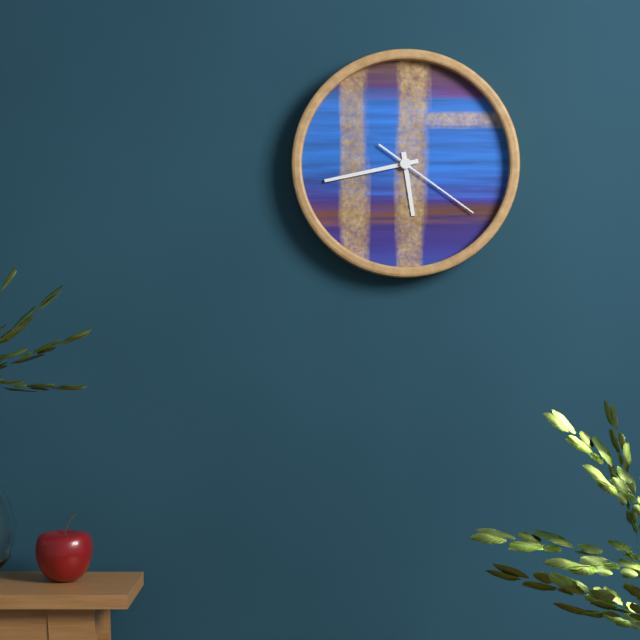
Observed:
5:43:21
